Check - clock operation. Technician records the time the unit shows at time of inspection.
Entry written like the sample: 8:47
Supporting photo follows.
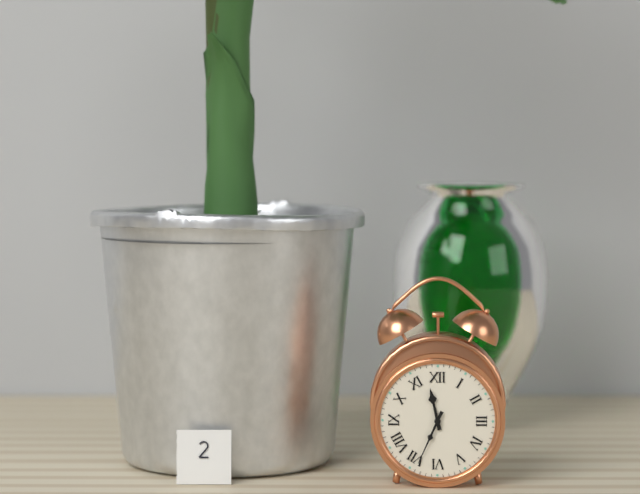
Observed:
11:34
